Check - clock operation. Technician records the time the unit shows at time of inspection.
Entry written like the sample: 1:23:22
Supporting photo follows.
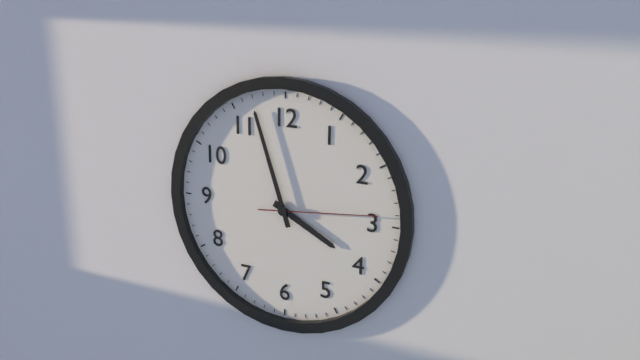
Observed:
3:57:14
